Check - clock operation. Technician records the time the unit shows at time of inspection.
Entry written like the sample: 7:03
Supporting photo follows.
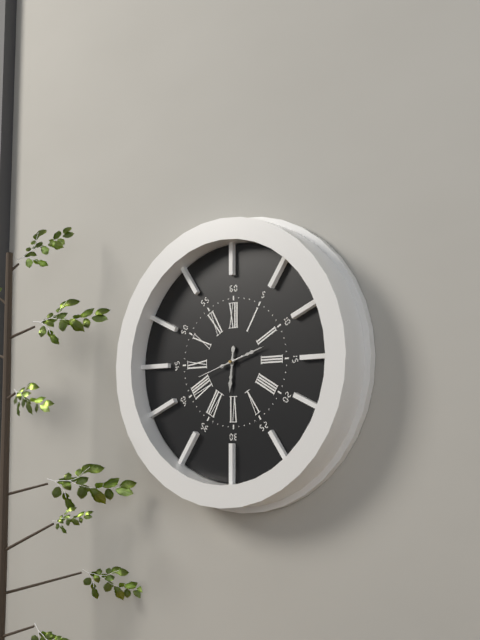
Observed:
6:12
